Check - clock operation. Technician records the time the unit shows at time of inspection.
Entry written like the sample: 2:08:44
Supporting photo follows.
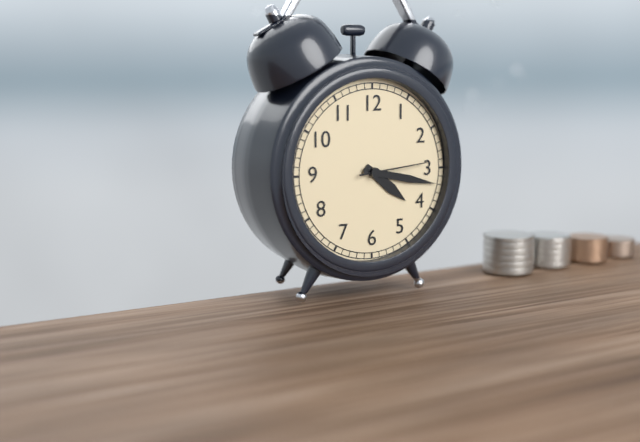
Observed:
4:17:14
